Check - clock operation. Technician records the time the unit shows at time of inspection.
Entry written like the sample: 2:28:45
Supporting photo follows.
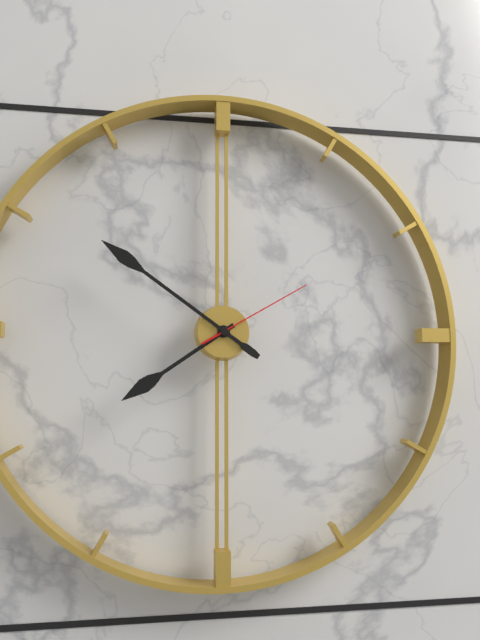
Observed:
7:51:10
